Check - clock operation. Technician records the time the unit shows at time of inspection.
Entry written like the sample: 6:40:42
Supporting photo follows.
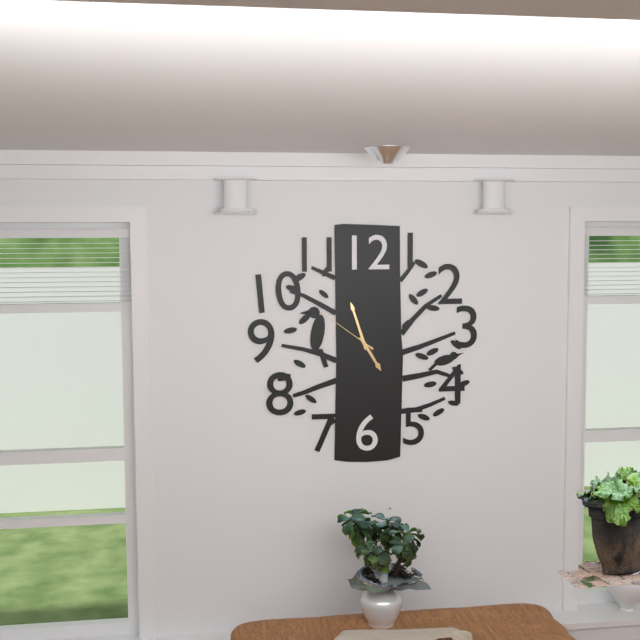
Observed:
4:57:51
